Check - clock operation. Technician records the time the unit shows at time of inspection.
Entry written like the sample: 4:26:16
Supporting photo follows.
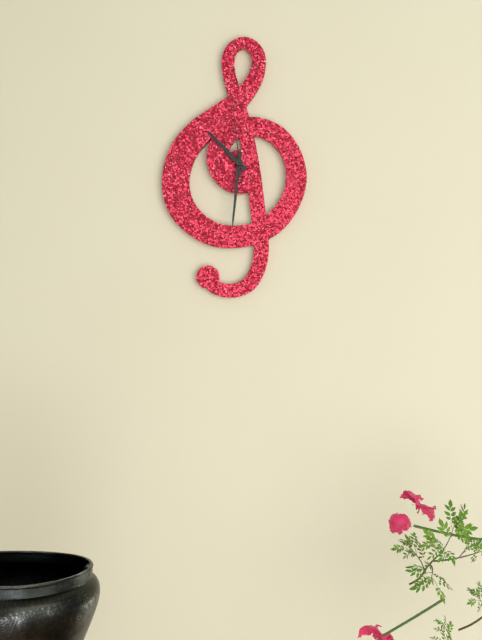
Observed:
10:31:59
